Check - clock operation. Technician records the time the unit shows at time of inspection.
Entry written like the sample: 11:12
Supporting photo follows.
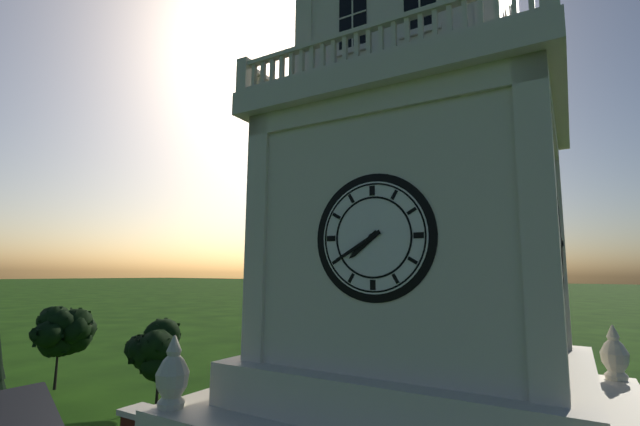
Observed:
7:40
